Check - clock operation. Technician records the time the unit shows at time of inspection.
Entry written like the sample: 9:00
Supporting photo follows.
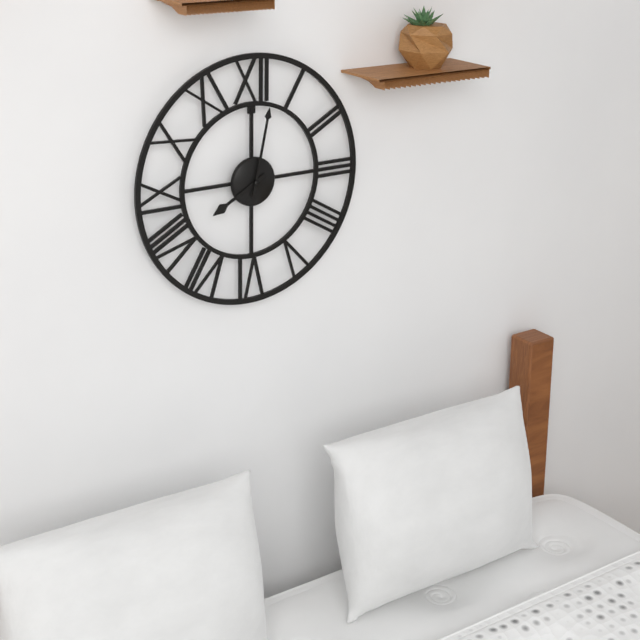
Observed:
8:02
